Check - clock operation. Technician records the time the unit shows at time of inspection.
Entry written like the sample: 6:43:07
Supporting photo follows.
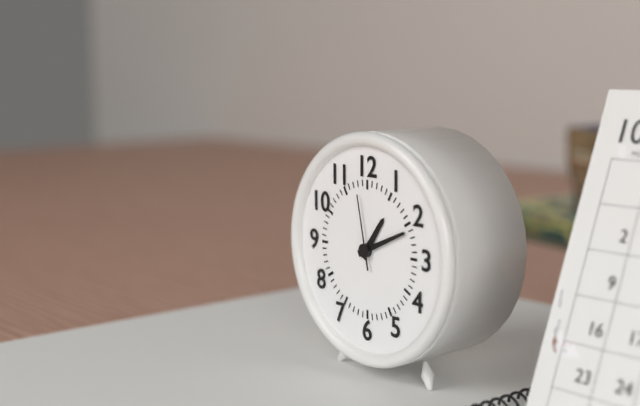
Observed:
1:11:58
